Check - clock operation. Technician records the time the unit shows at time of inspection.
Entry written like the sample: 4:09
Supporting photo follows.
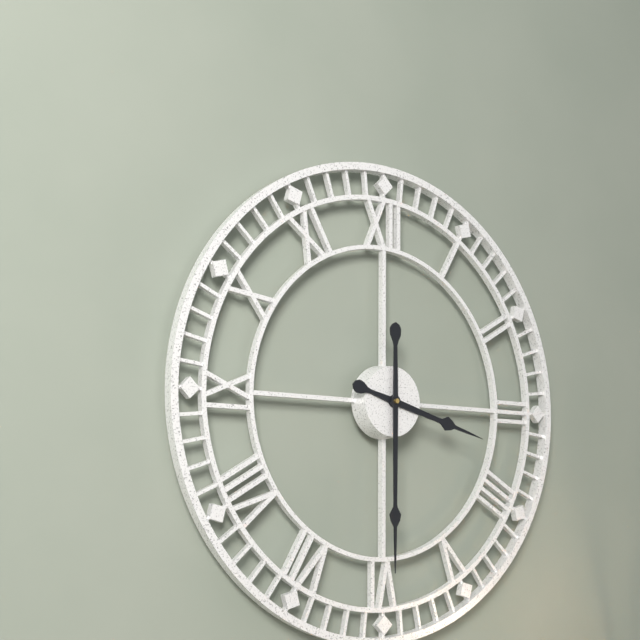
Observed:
3:30
